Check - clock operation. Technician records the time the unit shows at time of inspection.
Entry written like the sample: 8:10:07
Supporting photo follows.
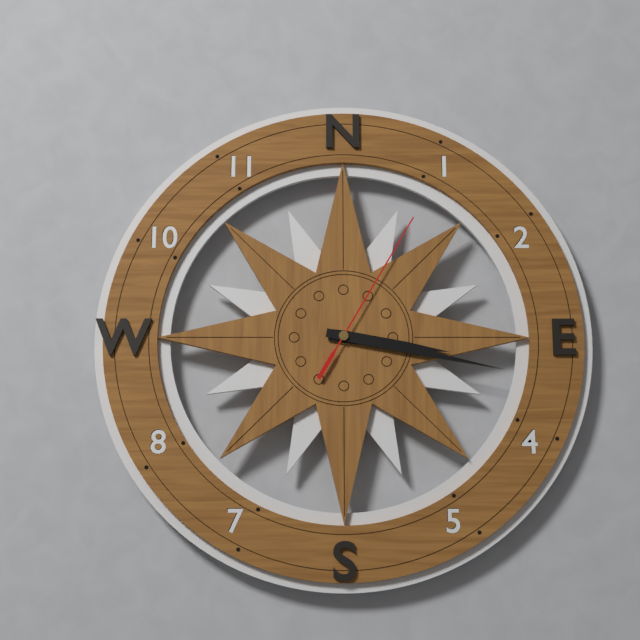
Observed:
3:17:05
